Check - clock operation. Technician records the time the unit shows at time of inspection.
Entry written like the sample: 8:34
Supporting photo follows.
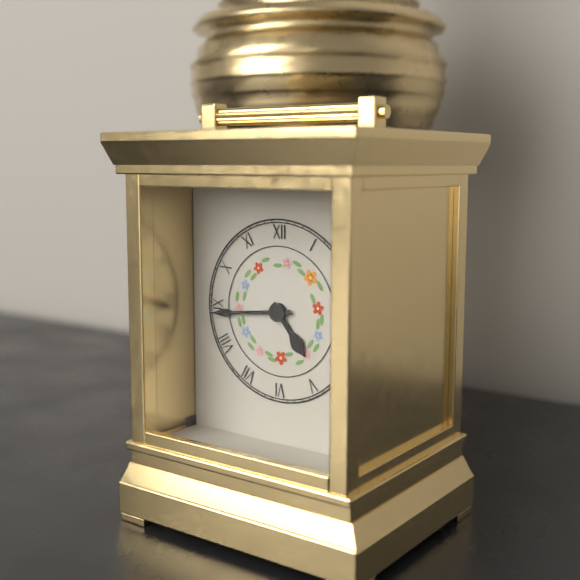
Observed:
4:44
